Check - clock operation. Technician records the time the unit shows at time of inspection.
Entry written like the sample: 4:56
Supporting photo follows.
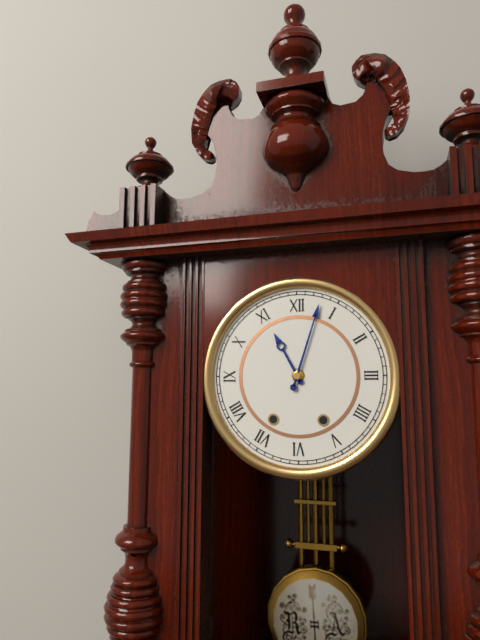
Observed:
11:03
